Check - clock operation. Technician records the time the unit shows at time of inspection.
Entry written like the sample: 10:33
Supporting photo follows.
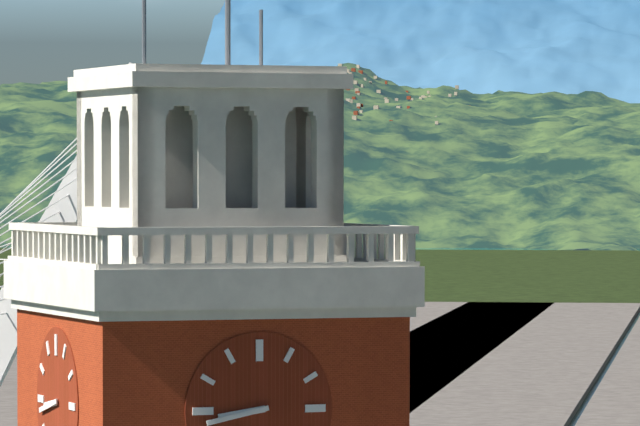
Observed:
8:43
